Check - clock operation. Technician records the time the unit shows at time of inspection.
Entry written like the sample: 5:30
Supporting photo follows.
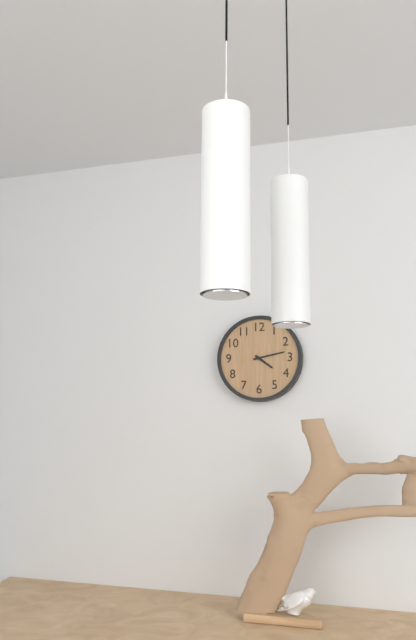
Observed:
4:13
